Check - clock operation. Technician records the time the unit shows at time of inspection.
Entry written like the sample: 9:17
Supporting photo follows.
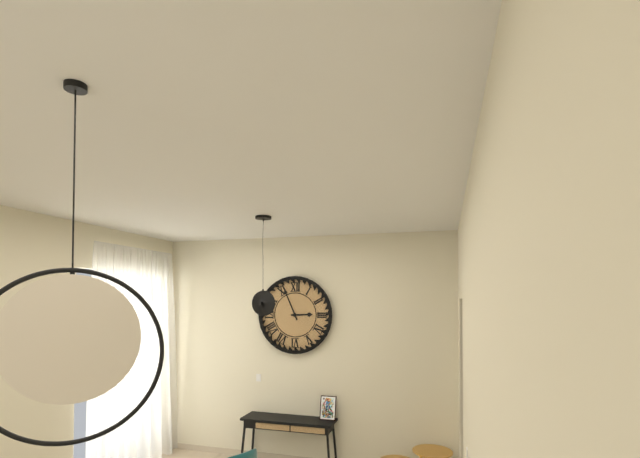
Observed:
2:56
